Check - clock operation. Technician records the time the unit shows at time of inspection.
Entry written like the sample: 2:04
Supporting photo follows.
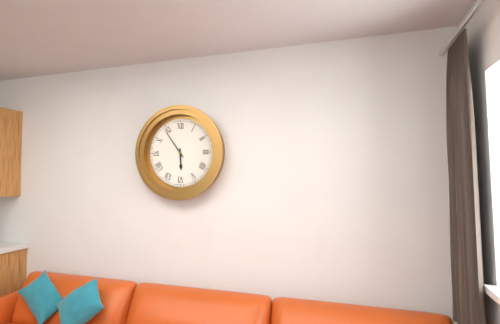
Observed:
5:54
